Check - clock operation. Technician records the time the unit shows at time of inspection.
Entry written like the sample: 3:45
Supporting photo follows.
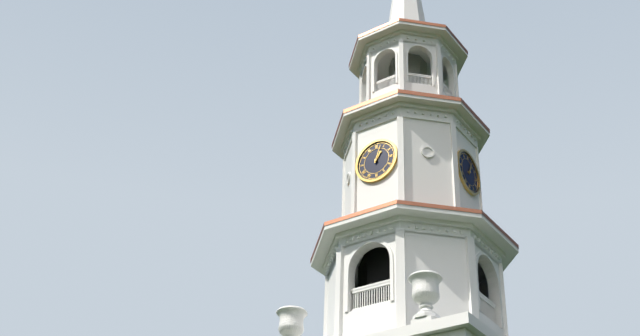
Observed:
1:03
